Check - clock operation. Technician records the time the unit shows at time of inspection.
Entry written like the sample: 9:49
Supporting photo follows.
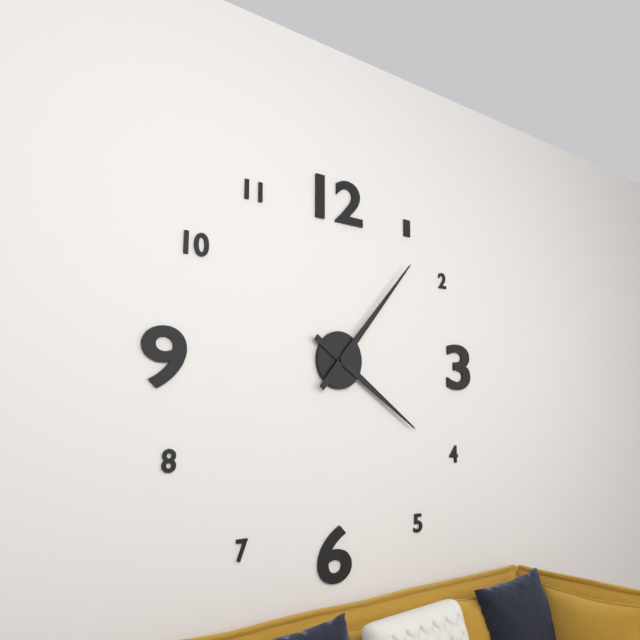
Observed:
4:07
